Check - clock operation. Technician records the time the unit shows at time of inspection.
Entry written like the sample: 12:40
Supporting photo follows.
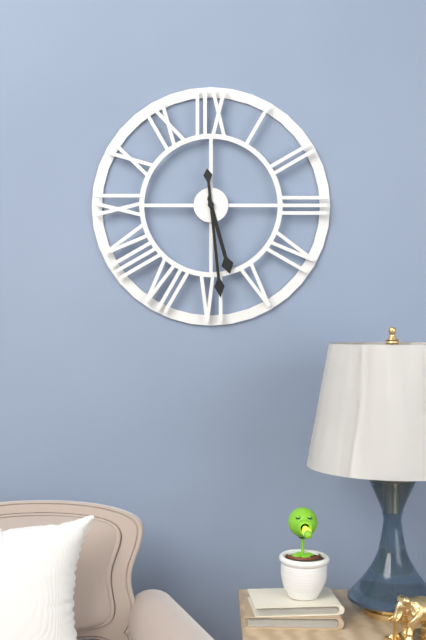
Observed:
5:29
